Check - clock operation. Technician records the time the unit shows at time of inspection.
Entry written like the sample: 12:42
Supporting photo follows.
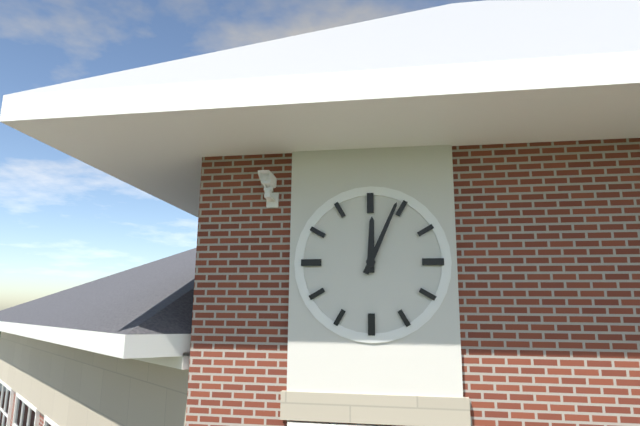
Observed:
12:04
